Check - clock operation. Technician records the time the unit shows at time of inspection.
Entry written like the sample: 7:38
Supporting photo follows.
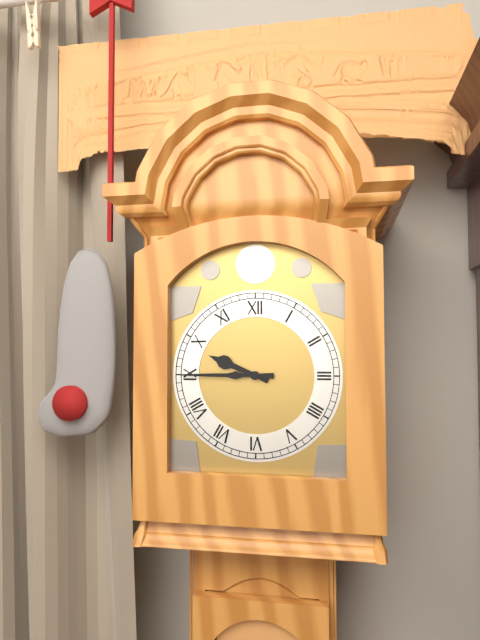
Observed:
9:45
